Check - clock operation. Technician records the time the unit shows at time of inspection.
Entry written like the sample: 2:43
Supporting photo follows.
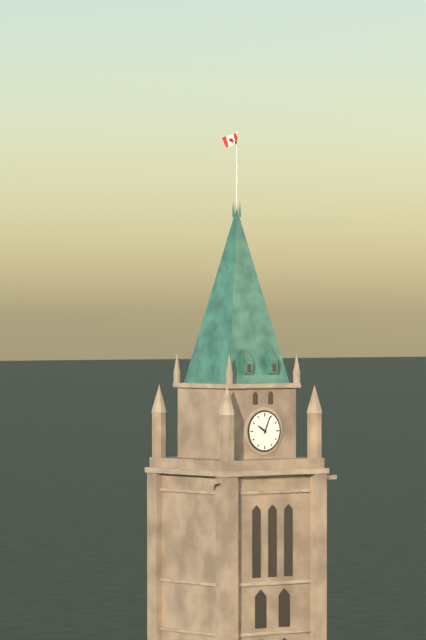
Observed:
10:04
